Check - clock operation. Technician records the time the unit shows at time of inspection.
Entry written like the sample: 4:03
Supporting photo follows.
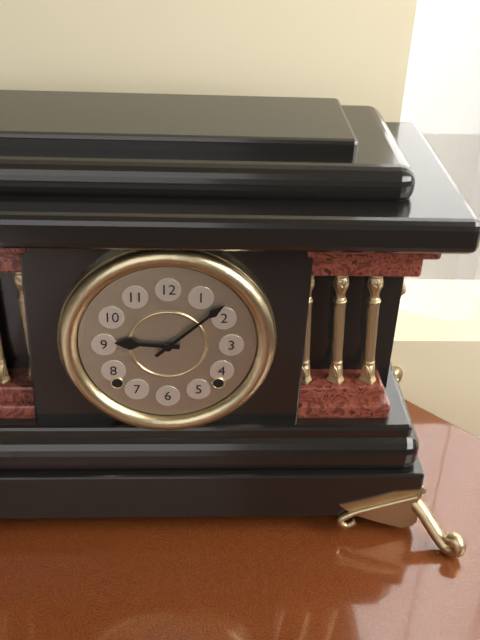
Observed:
9:08
